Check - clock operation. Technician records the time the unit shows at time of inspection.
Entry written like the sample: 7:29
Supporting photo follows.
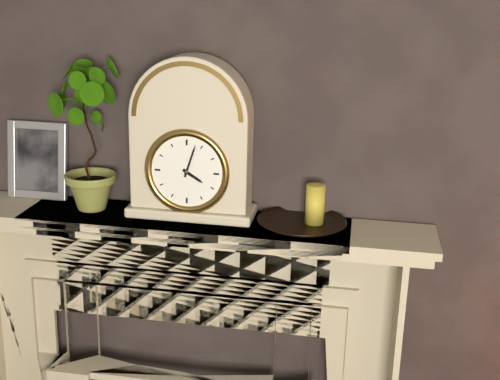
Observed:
4:03
